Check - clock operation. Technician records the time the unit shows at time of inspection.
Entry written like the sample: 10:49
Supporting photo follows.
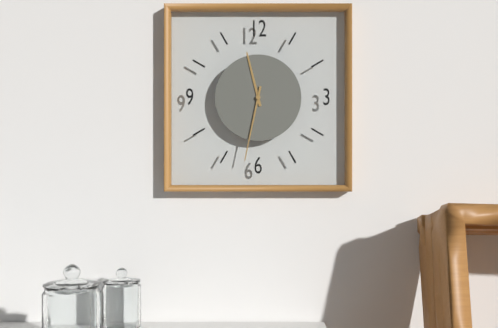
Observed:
11:32
